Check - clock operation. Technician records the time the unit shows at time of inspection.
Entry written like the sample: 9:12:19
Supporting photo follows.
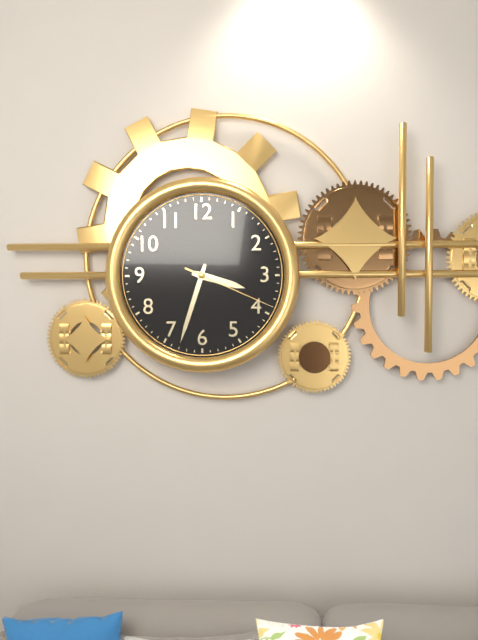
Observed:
3:33:19
